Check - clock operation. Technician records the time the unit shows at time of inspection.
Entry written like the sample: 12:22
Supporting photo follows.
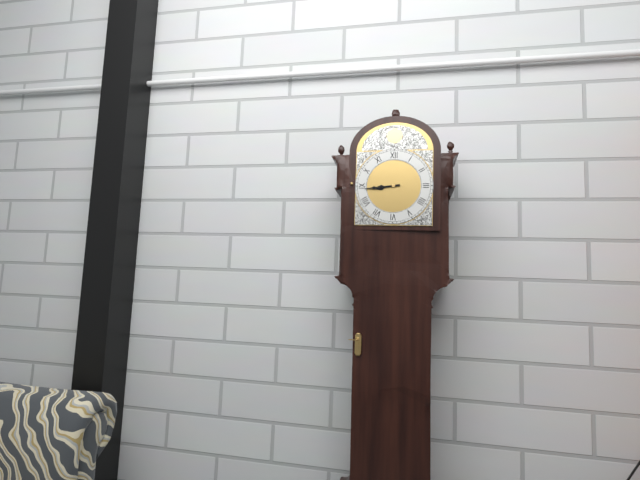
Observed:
8:44
